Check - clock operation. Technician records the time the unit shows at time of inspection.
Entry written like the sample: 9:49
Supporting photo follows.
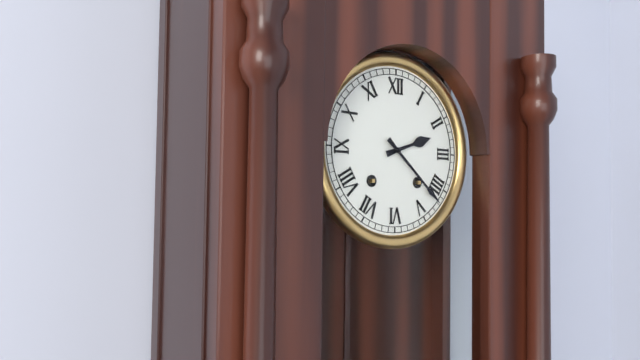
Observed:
2:22
